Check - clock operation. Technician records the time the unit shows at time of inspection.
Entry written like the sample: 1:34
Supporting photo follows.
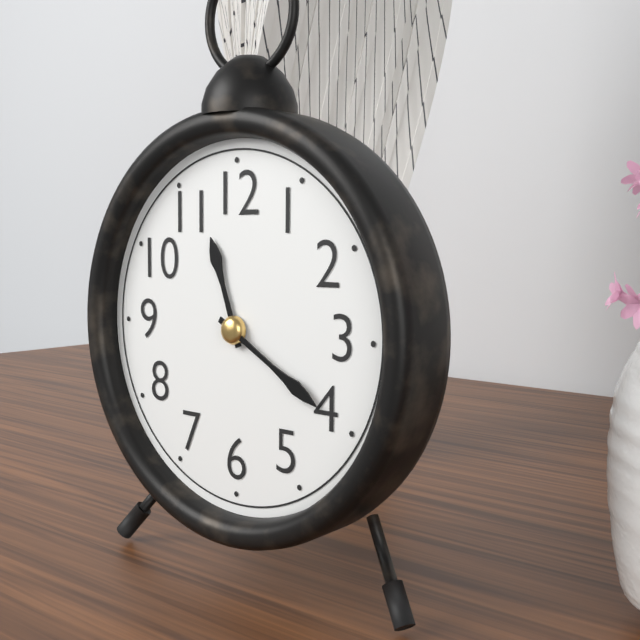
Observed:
11:20
